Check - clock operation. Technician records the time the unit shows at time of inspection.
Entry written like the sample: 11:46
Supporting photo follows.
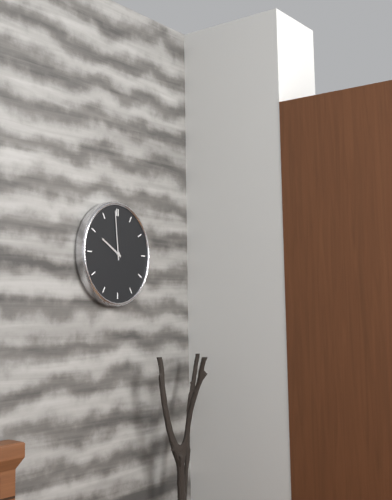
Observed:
9:59
